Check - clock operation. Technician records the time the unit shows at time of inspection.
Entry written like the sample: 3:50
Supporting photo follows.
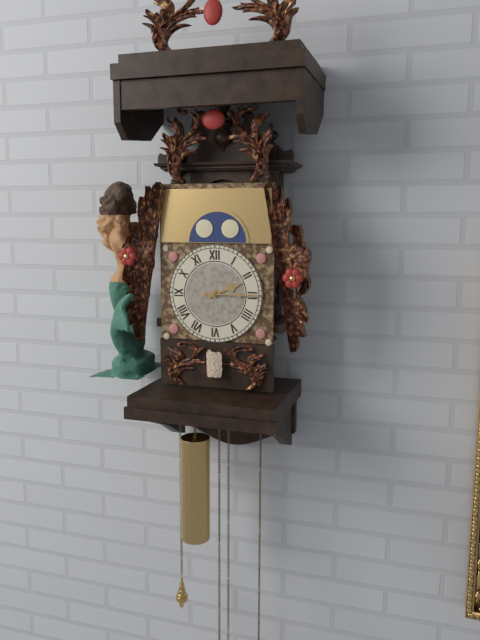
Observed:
2:15
